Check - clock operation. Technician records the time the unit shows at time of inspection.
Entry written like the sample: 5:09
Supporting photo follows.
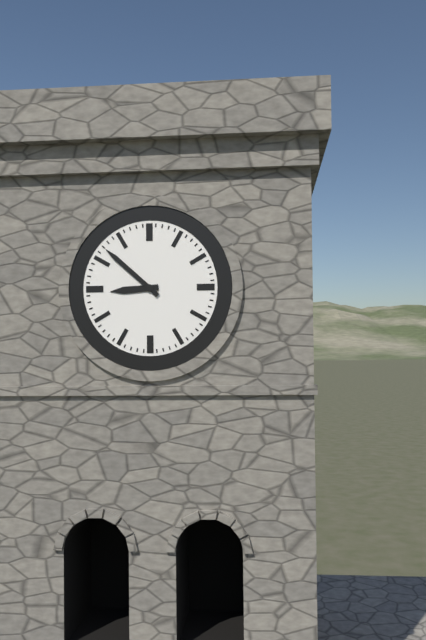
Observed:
8:52
